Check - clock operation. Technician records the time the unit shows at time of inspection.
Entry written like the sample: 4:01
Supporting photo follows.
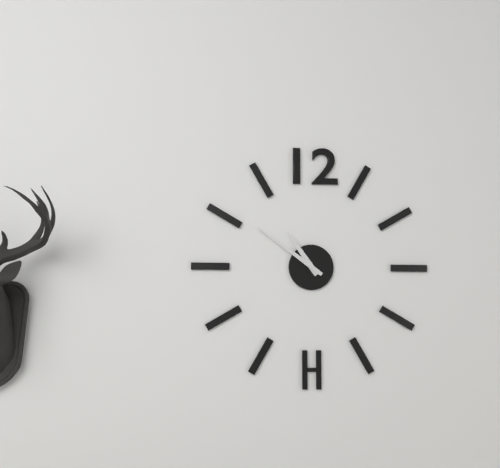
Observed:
10:51
